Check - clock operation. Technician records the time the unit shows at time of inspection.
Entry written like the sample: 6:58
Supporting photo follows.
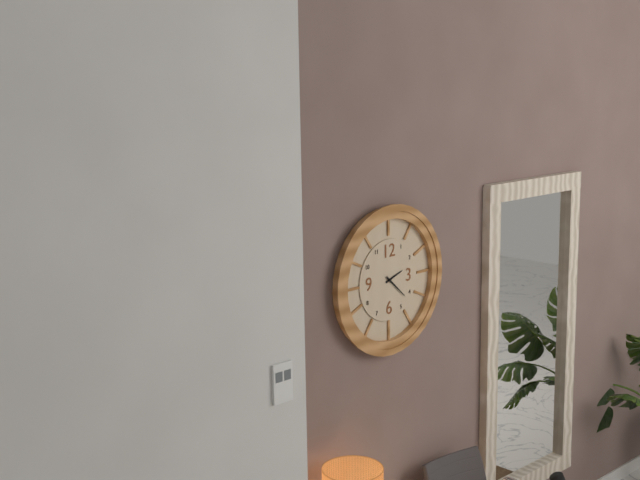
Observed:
2:22
